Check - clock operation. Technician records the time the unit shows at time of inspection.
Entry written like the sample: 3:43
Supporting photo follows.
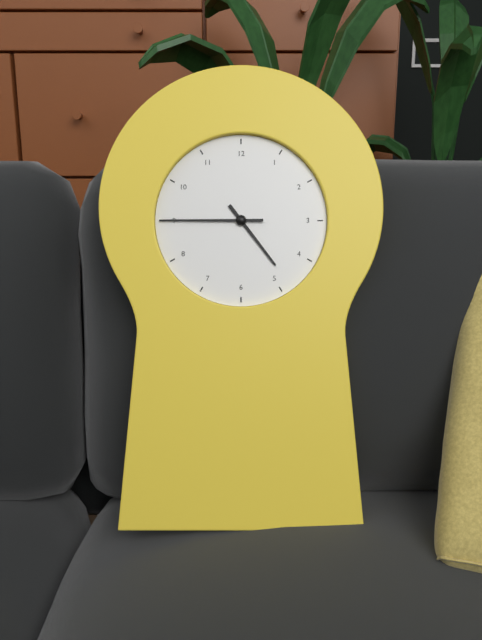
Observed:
4:45
